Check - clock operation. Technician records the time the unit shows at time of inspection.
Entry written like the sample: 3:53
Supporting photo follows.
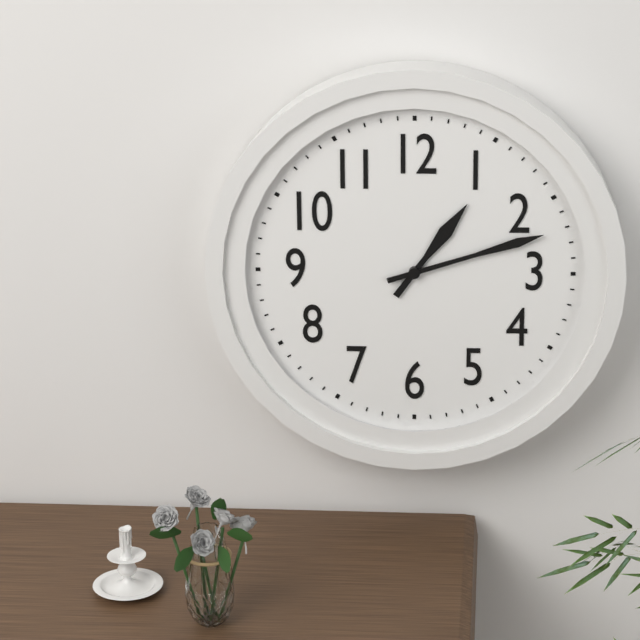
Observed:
1:12
